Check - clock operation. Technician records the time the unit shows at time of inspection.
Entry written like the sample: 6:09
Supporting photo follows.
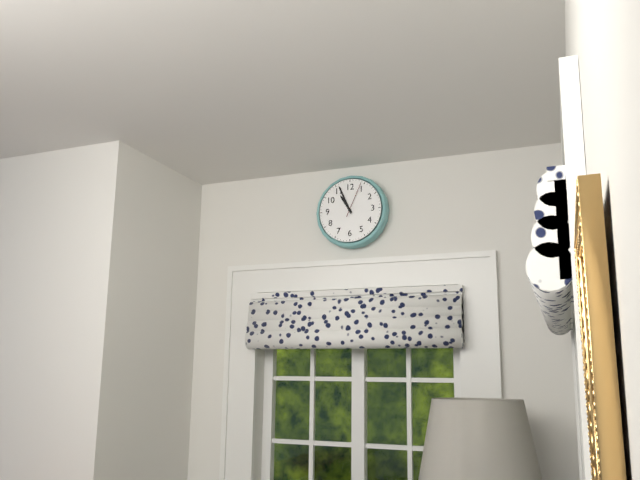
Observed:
10:56
